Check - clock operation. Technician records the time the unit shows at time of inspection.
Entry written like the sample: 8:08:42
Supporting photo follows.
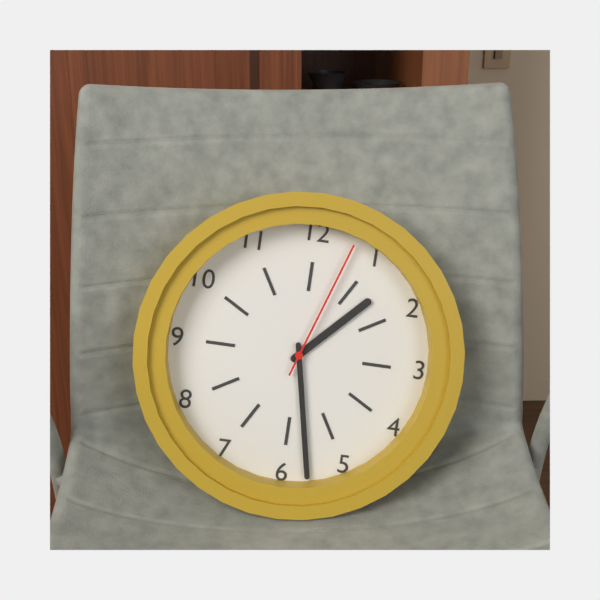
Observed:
1:28:03
